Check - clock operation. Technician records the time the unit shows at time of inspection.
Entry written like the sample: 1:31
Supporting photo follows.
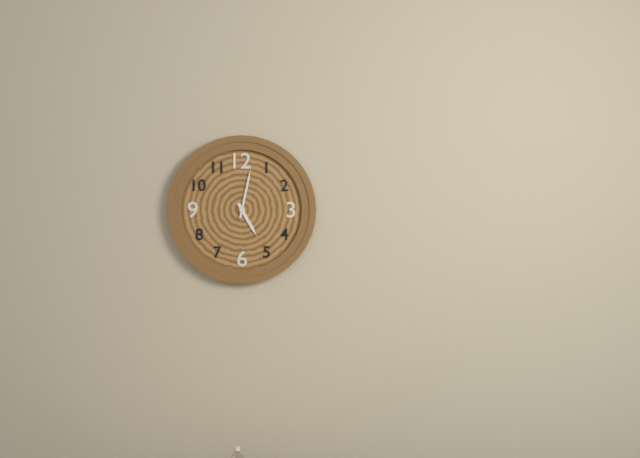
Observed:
5:02
